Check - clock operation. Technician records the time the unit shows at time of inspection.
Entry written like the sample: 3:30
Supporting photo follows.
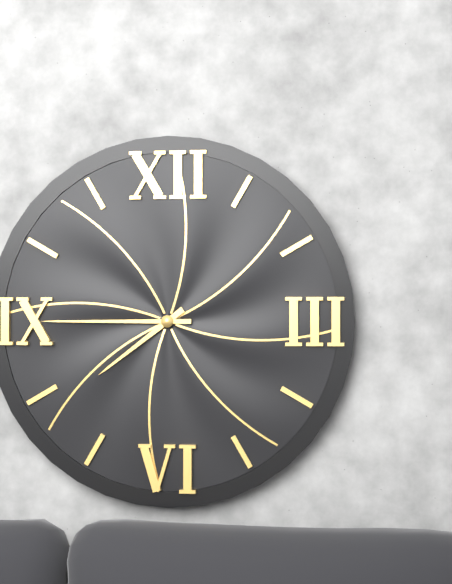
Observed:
7:45
